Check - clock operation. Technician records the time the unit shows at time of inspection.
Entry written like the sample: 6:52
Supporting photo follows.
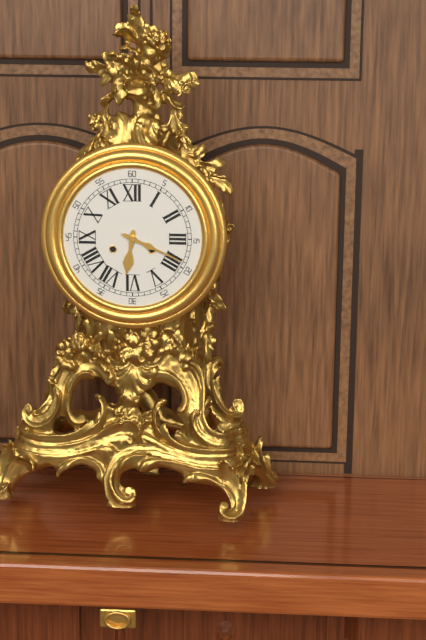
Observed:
6:19
